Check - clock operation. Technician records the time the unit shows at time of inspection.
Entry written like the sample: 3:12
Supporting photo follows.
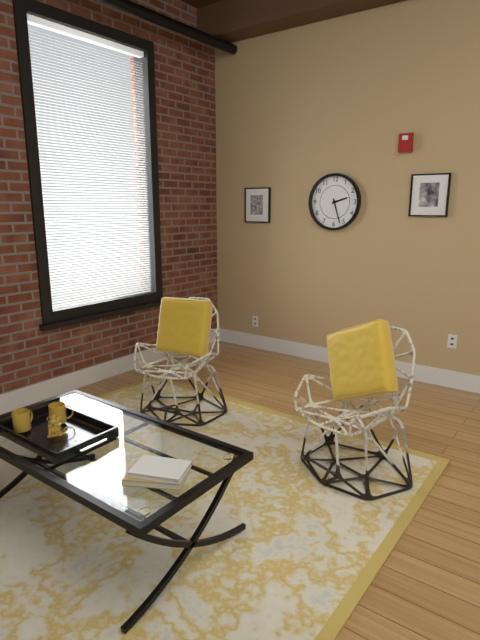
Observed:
2:27
